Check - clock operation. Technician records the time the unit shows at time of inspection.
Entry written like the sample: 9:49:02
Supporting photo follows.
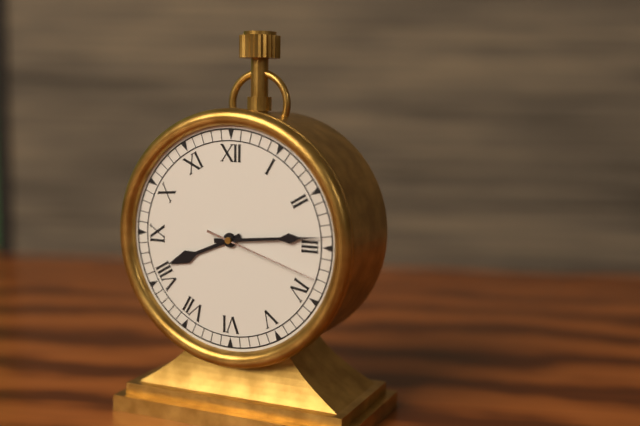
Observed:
8:14:18
